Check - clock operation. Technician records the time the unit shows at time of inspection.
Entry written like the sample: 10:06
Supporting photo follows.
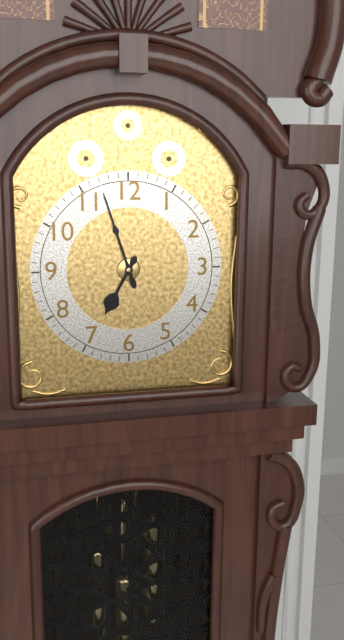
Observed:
6:57
